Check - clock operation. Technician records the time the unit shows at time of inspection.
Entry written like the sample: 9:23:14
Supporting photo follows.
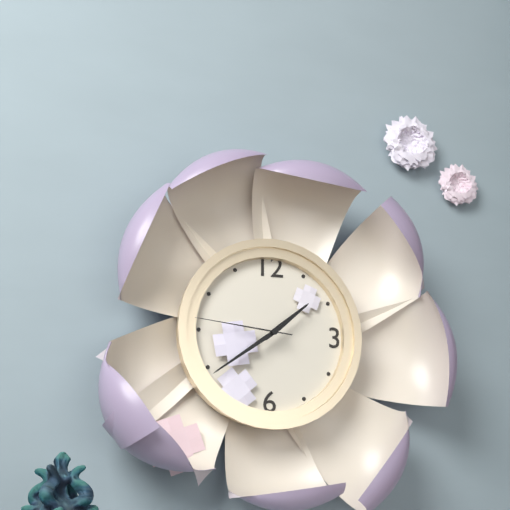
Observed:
1:39:46
